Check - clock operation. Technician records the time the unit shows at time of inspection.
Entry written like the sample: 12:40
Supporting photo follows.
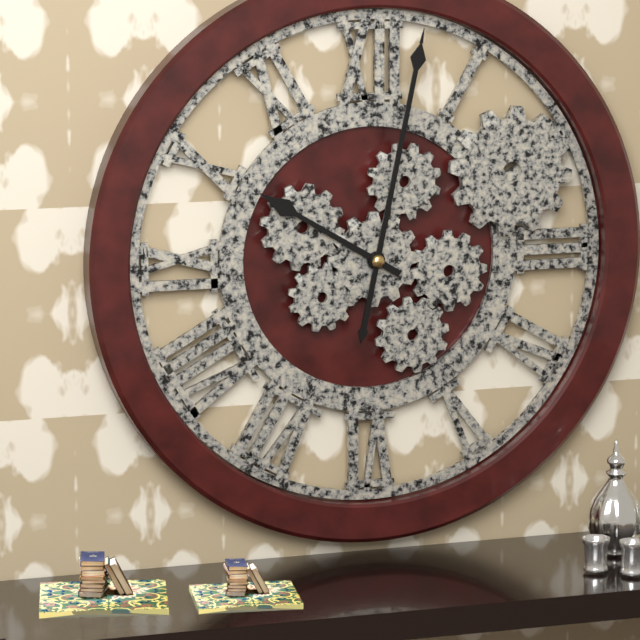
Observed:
10:02
